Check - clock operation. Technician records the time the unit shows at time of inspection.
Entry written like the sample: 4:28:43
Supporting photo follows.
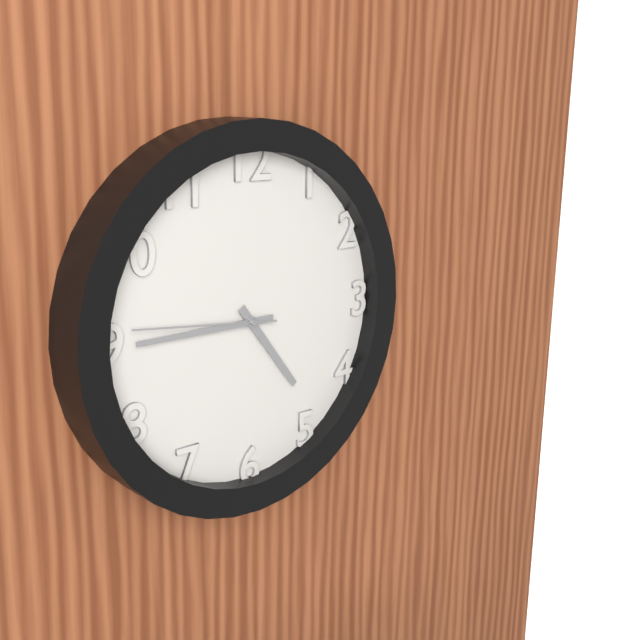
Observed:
4:45:46
